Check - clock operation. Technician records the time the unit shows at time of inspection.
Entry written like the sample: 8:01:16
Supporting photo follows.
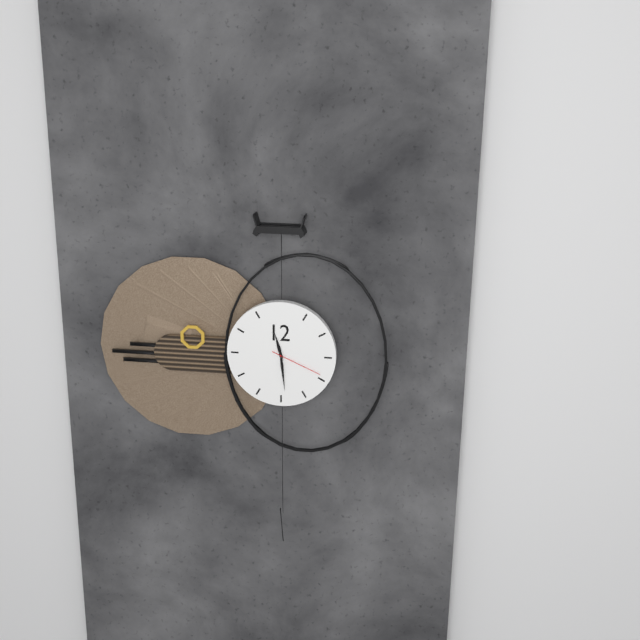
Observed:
11:29:19
